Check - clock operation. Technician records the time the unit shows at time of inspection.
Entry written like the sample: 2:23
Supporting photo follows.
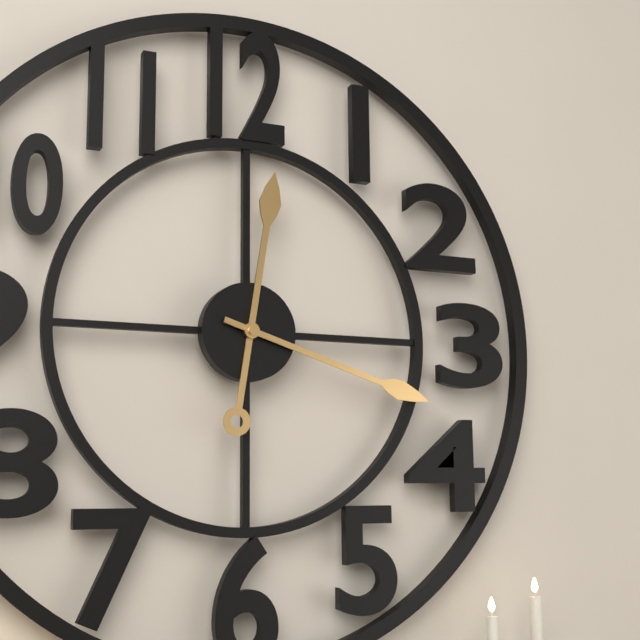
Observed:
12:18
